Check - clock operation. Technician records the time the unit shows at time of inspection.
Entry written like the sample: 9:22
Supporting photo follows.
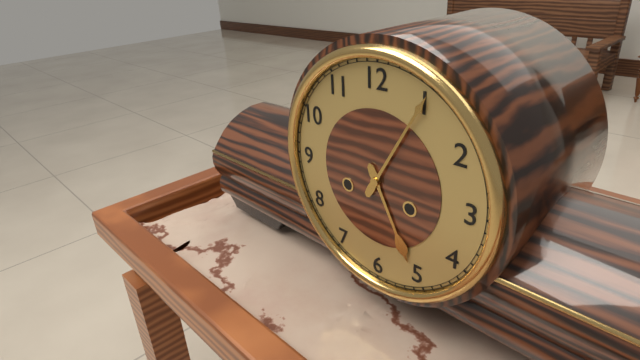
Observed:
5:05
